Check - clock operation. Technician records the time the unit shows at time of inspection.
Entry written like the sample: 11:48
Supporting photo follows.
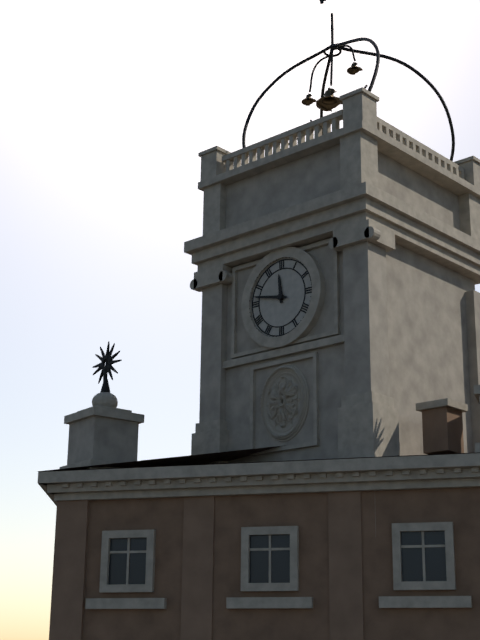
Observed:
11:47
